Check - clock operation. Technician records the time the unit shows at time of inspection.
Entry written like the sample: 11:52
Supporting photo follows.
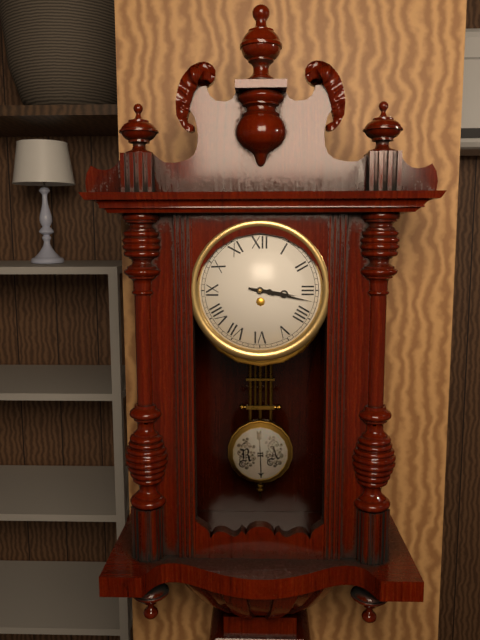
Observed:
3:17
